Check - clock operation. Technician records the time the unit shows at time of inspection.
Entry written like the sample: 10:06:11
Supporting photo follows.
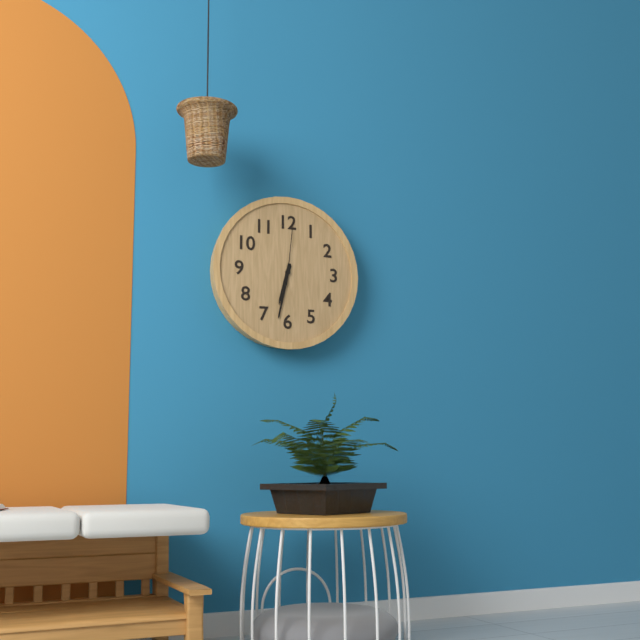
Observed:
6:32:01
